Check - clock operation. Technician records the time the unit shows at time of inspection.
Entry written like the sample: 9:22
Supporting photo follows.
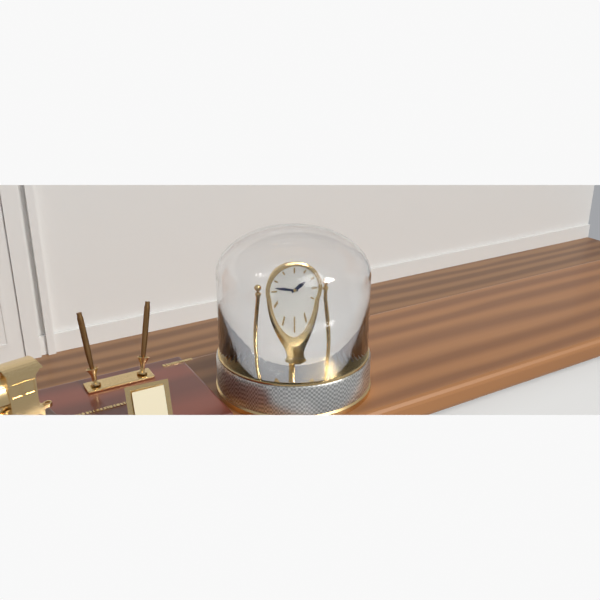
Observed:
1:47
